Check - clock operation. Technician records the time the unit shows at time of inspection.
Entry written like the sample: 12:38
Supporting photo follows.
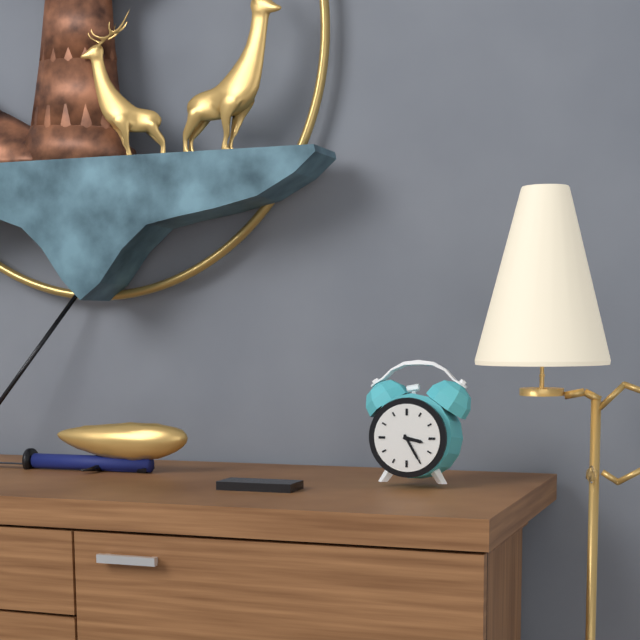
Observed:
3:25
